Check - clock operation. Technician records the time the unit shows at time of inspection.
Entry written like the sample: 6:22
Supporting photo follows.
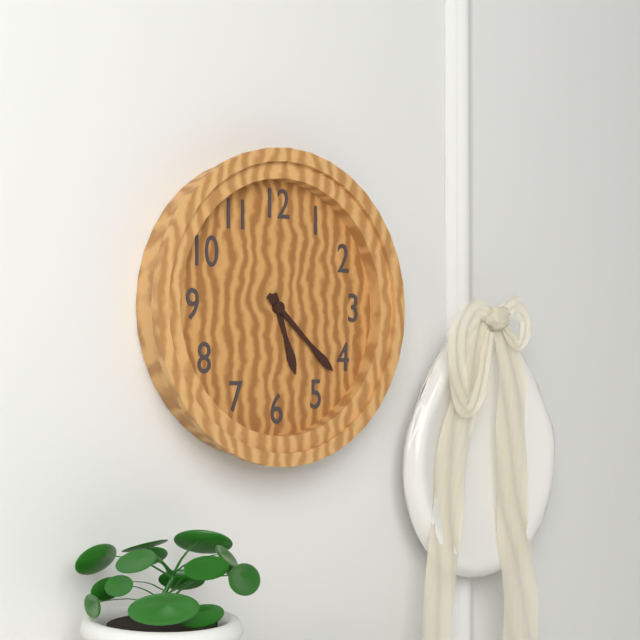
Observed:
5:22
